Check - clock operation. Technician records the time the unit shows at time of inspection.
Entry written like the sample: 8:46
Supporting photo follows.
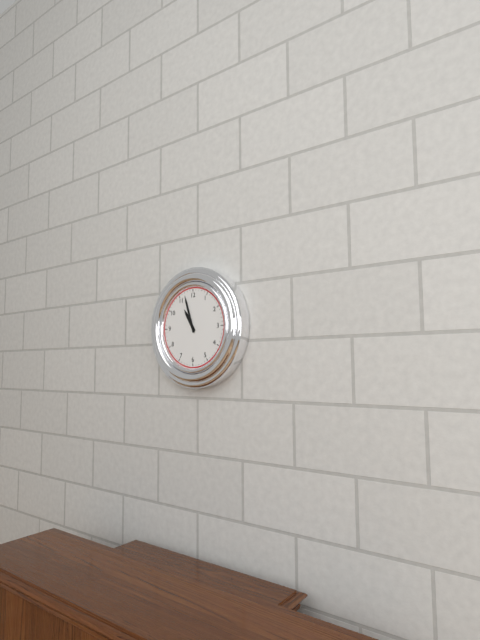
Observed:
10:57
